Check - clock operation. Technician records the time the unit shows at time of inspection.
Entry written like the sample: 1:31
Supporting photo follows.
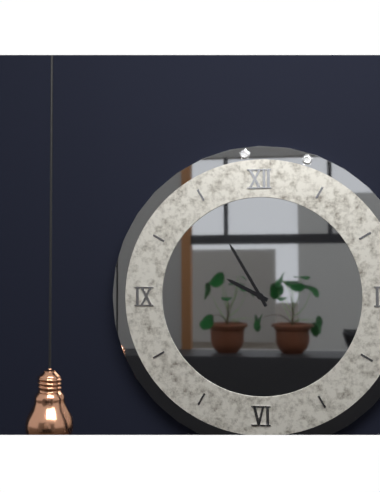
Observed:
9:55
